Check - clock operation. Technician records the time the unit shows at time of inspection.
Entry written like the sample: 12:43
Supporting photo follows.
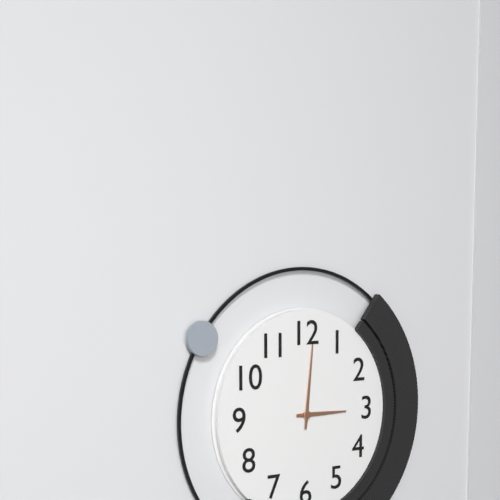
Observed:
3:01
